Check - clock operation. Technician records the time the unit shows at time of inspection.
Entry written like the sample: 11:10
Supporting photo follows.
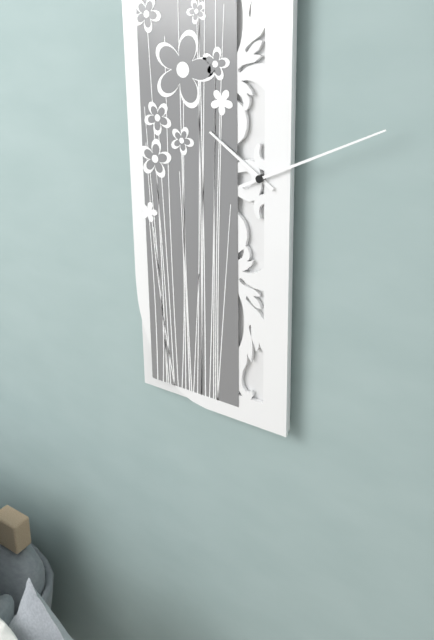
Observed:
10:11
